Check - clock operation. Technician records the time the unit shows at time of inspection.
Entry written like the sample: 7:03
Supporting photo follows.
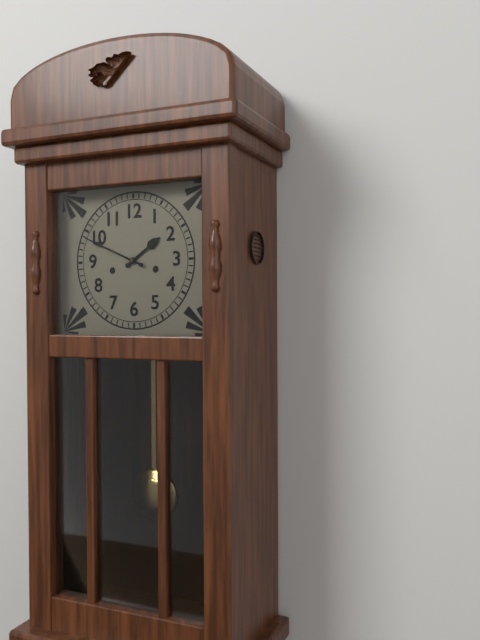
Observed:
1:49
